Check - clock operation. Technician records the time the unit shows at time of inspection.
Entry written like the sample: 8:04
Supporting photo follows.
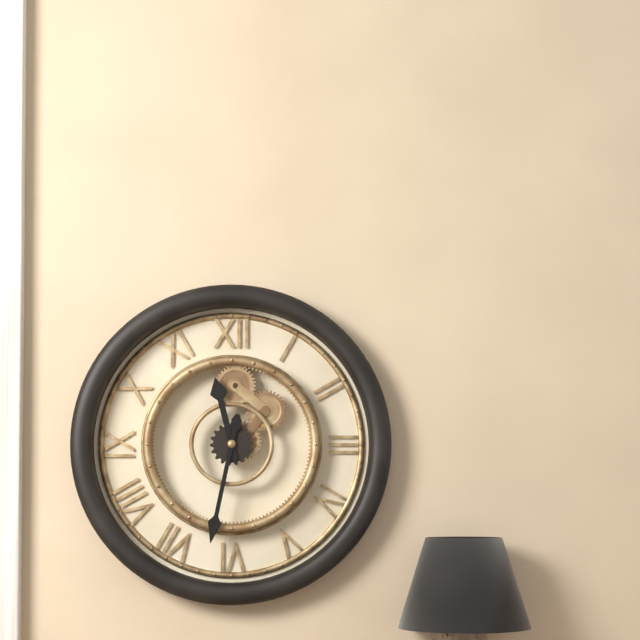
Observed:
11:32
